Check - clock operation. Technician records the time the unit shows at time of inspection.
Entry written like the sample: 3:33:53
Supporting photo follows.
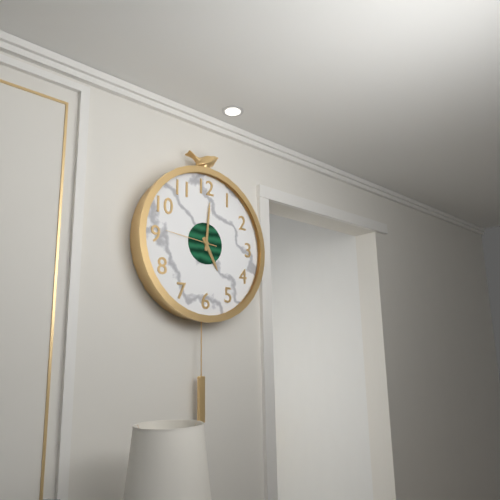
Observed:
5:01:46
